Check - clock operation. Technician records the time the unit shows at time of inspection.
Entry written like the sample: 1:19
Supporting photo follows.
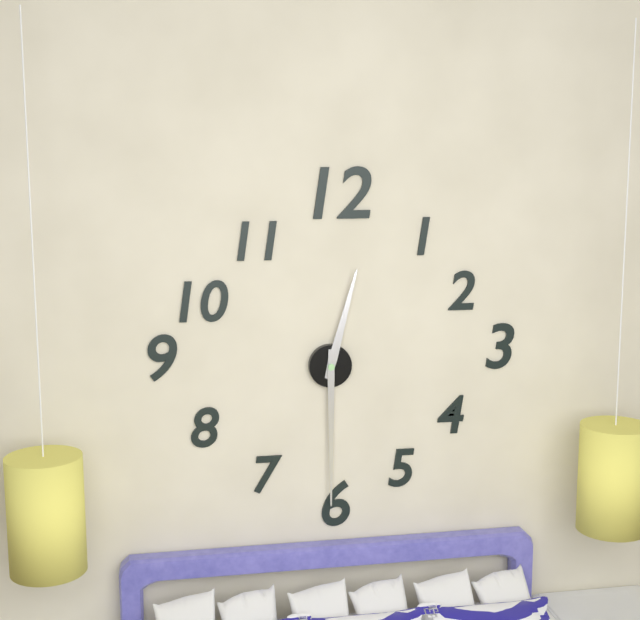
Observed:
12:30
